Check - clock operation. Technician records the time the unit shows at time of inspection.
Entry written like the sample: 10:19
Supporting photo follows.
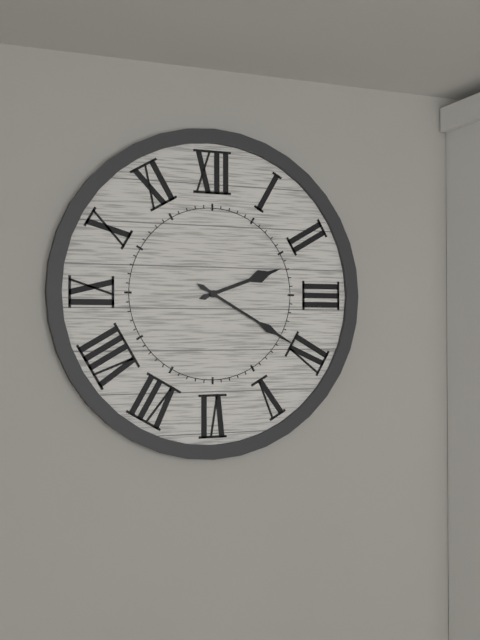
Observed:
2:20
